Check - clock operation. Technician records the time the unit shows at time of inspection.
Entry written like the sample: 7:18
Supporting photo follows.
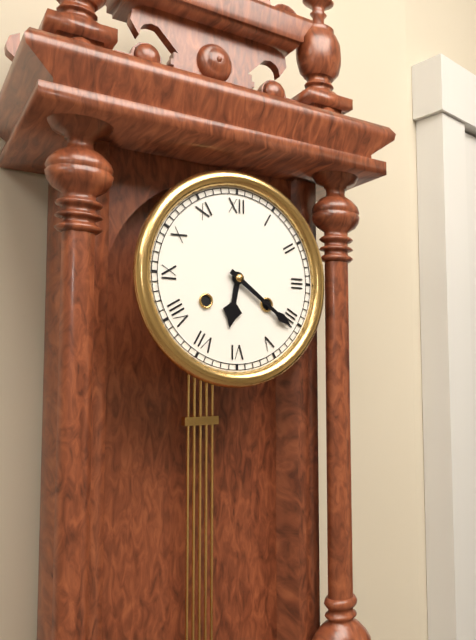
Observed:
6:21
